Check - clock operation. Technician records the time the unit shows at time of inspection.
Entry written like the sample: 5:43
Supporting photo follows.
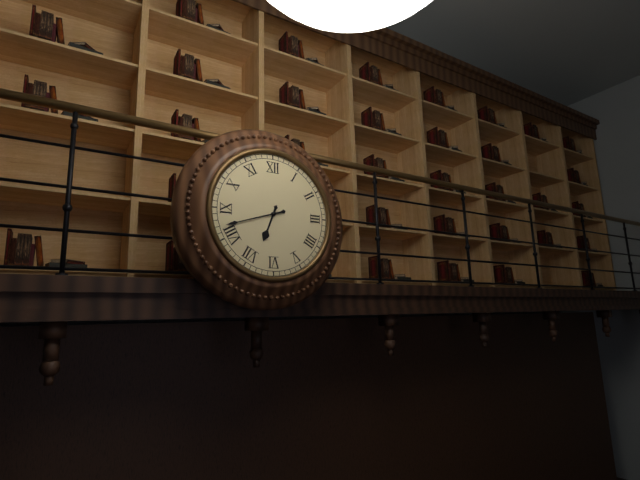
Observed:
6:42
